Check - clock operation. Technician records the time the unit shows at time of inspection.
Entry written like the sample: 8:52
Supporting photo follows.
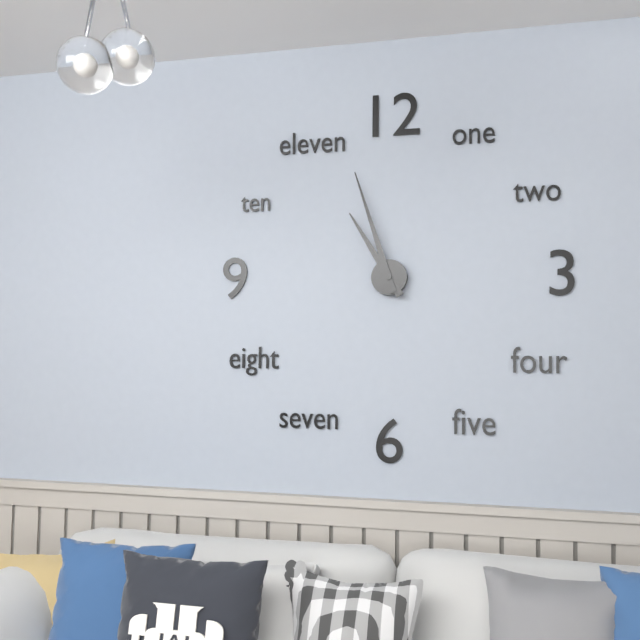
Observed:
10:57
